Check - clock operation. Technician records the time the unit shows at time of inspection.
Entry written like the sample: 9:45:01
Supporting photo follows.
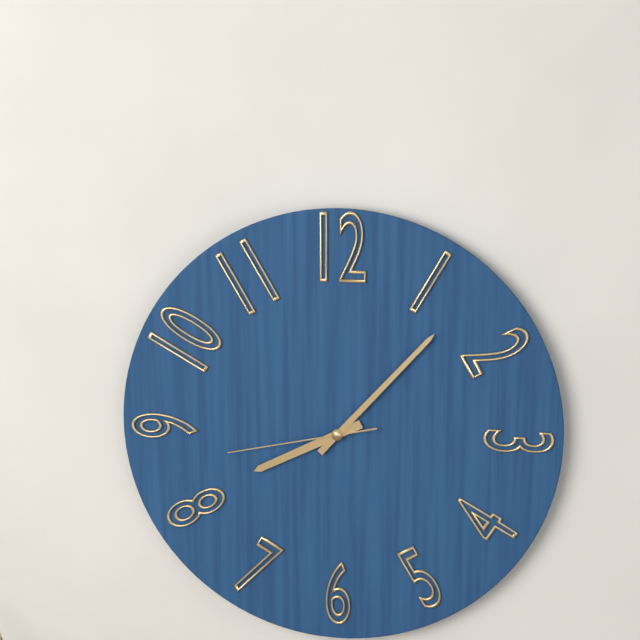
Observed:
8:07:43
